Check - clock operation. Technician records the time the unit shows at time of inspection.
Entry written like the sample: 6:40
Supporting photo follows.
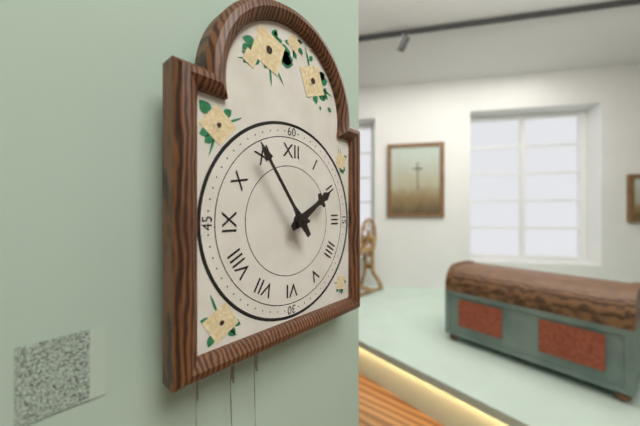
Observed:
1:54
